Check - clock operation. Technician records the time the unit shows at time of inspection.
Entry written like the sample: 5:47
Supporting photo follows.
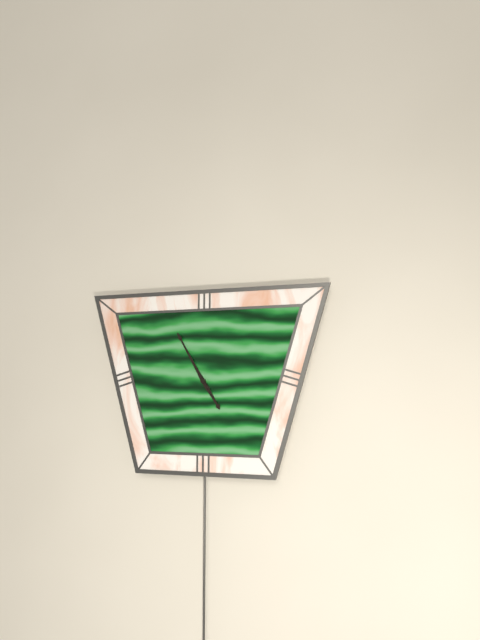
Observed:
4:55
